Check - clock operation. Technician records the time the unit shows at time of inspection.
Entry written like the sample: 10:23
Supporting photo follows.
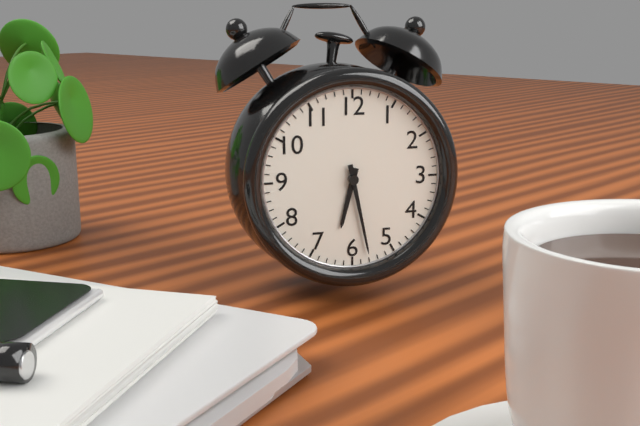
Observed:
6:28
